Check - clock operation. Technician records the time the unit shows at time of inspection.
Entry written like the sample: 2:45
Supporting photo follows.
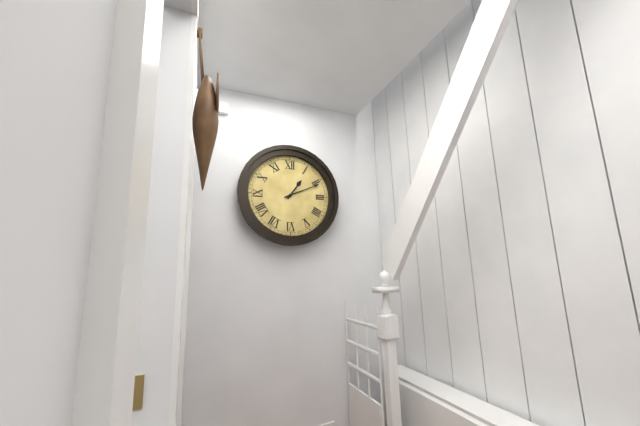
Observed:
1:11
